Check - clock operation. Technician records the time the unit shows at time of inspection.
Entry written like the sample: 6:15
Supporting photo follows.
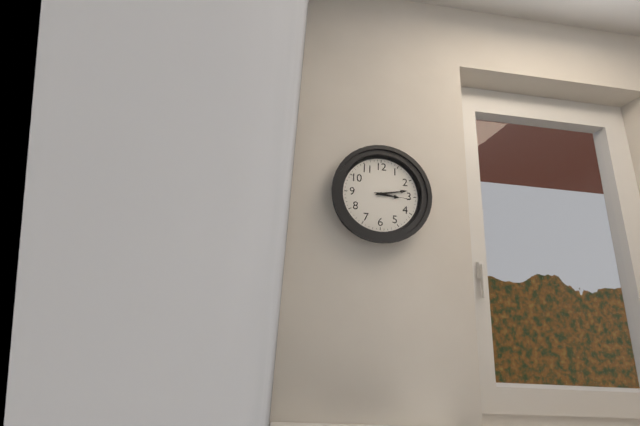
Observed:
3:13
